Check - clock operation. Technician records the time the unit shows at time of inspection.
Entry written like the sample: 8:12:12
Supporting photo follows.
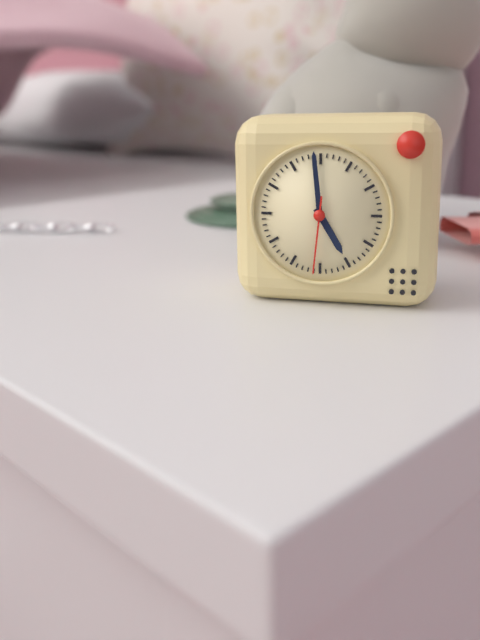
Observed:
4:59:31
